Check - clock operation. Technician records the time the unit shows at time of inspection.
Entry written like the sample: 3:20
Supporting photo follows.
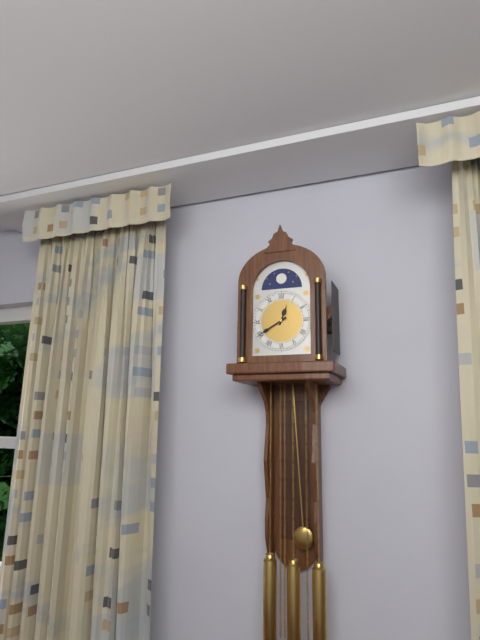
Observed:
12:40
